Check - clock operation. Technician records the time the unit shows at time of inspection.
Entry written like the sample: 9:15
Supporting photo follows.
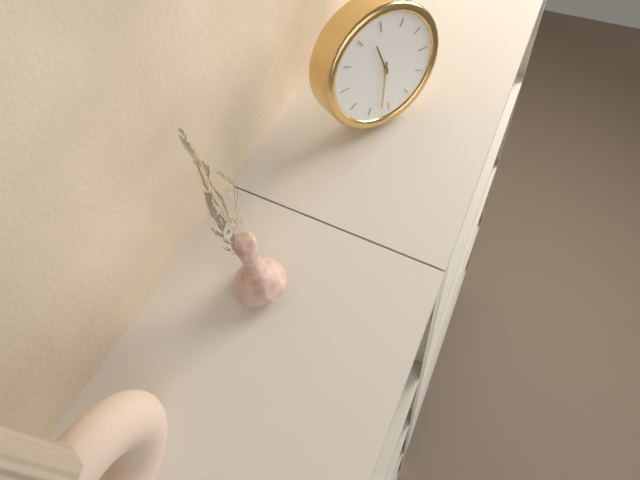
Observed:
11:32
